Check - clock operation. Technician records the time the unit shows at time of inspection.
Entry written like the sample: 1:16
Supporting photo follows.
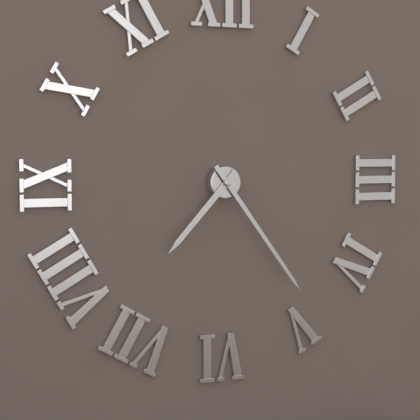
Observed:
7:24
